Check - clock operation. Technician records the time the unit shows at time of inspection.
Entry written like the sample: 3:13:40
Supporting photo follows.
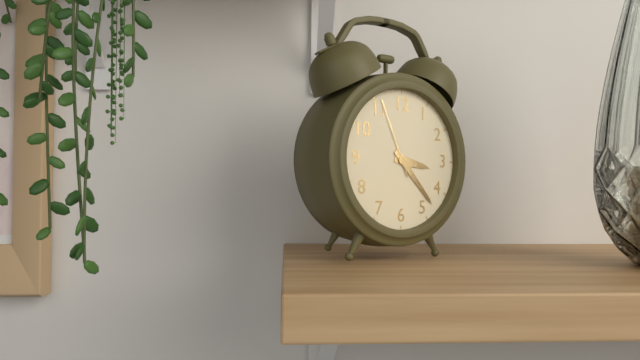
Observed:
3:23:56
